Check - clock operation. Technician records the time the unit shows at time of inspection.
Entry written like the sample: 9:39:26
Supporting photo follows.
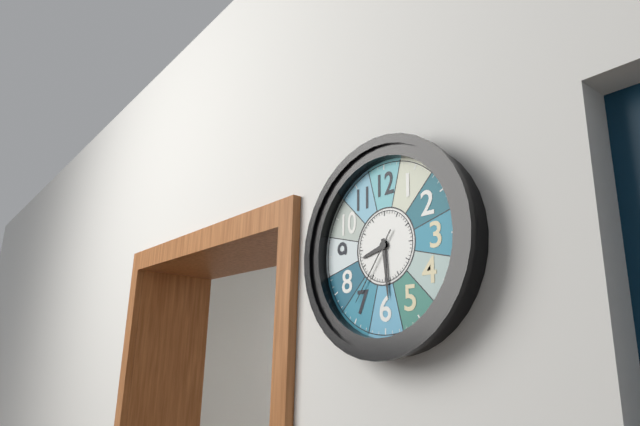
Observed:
8:29:36
